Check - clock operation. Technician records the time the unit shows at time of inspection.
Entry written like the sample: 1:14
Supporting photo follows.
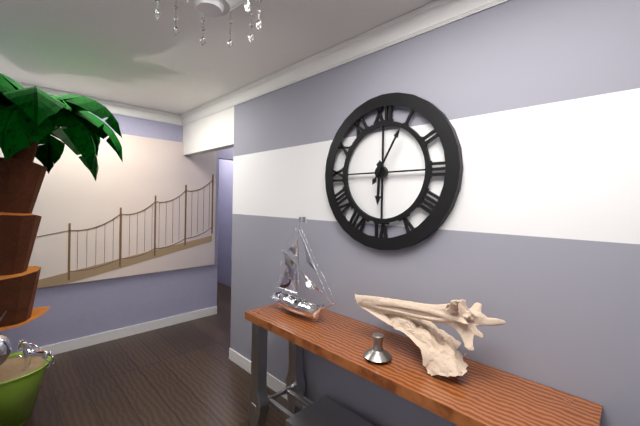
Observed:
6:05
